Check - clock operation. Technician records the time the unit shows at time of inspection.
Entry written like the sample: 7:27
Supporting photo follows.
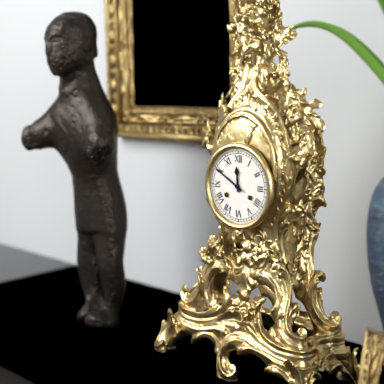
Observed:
11:50
